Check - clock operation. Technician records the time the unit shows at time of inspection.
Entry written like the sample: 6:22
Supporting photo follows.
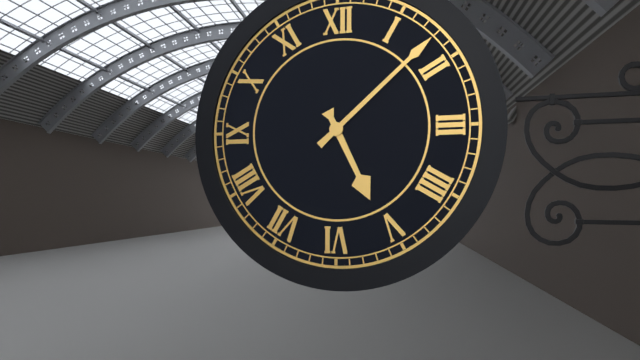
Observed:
5:08
